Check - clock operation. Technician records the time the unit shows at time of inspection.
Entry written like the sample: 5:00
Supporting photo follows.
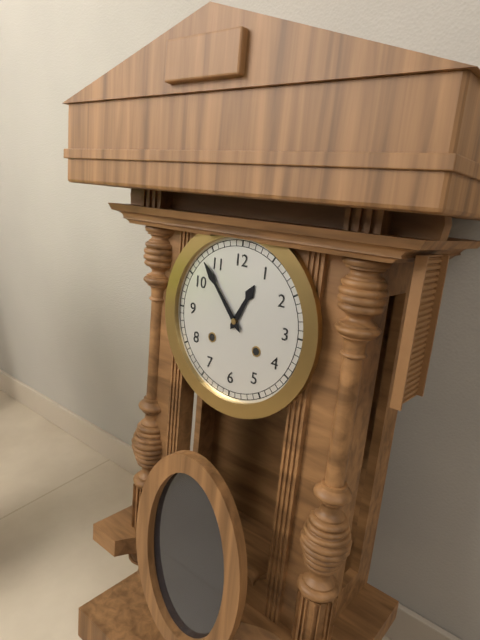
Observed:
12:53
